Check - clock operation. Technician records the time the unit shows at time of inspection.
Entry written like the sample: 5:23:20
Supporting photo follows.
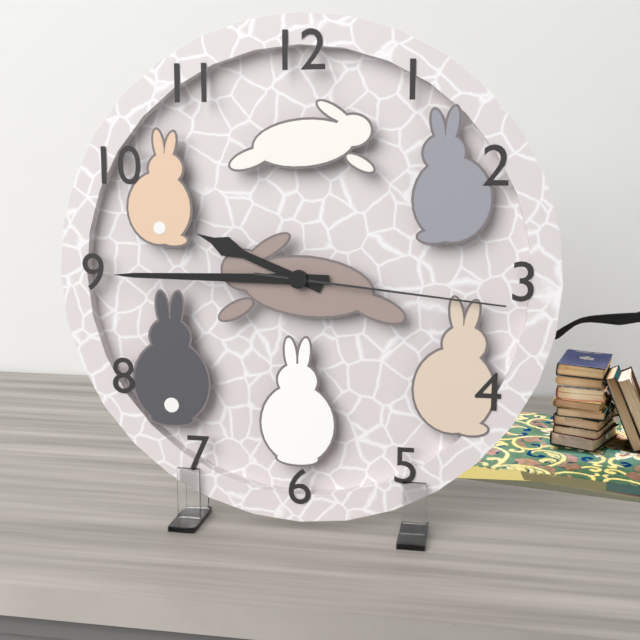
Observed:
9:45:16
